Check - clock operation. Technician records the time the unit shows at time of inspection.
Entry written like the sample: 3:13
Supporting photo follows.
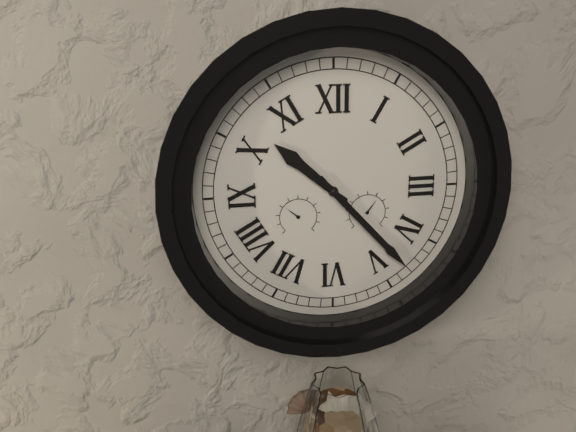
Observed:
10:23
